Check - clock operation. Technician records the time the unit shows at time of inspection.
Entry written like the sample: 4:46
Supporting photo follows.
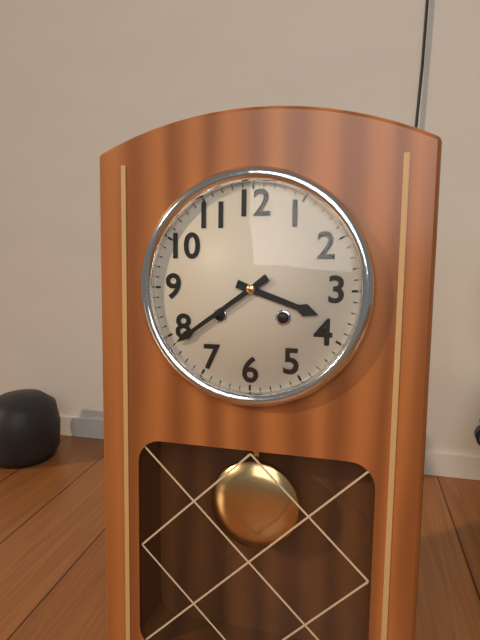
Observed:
3:39
